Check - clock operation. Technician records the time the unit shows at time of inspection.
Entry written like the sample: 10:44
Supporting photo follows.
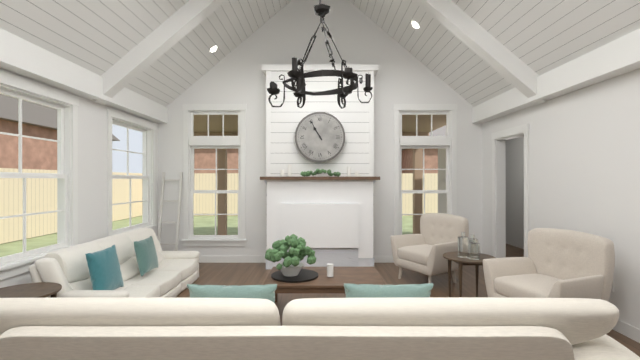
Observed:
10:55
